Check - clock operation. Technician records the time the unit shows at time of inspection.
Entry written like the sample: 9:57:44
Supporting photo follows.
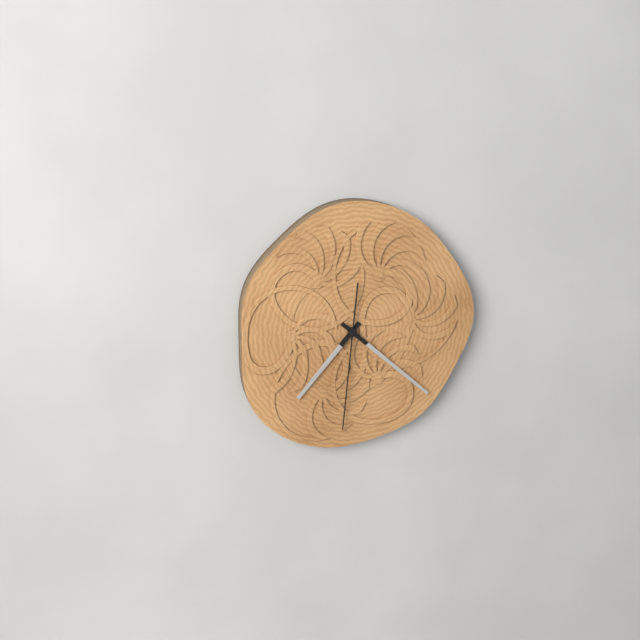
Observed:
7:22:31
